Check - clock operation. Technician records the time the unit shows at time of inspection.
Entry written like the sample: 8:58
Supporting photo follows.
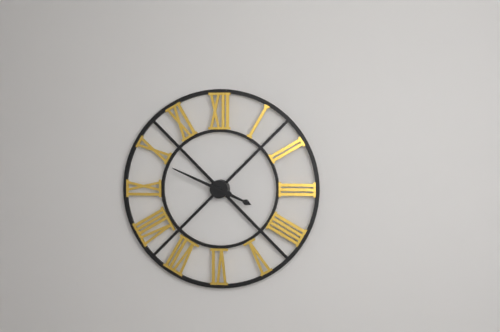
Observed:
3:49
